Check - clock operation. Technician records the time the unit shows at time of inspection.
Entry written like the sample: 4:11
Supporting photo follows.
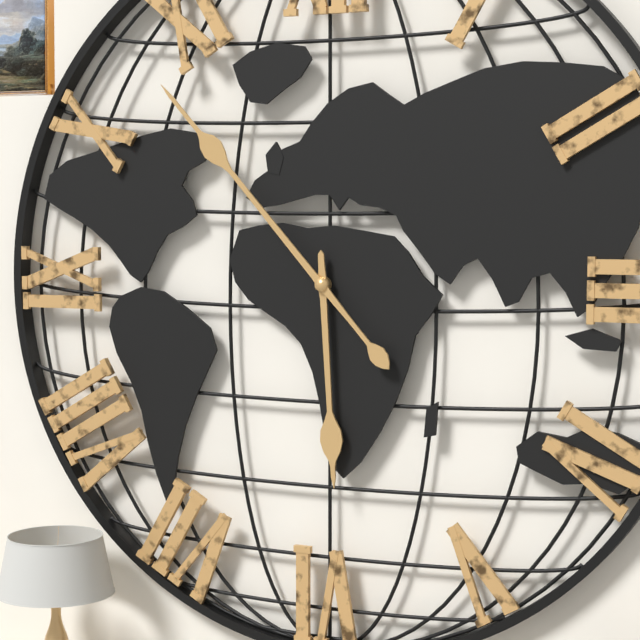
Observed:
5:53
